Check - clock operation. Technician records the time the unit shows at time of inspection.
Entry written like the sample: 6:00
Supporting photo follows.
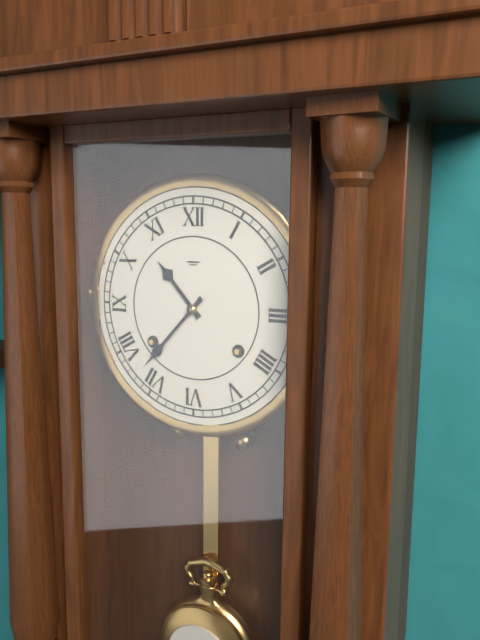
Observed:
10:37
